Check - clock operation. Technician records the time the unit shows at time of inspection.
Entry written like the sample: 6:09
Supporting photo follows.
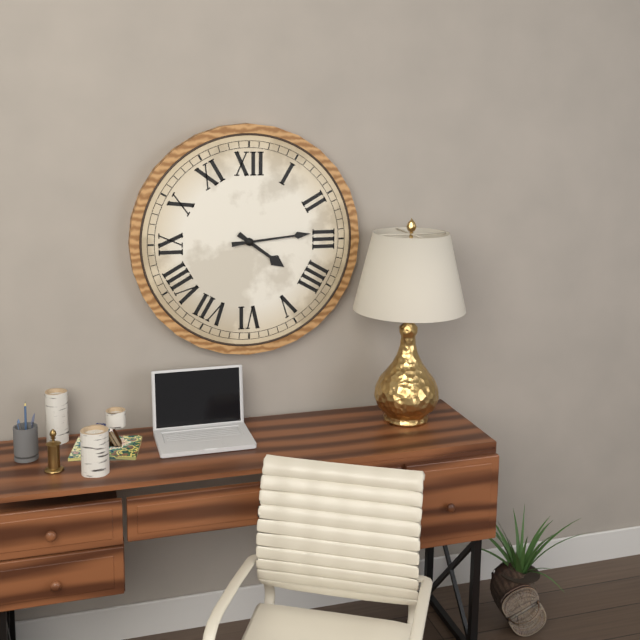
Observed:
4:14
